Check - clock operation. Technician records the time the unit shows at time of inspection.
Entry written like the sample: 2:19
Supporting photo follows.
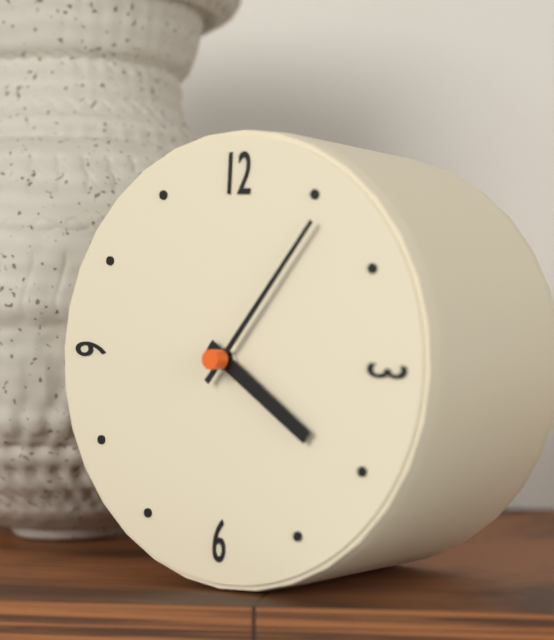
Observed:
4:06
